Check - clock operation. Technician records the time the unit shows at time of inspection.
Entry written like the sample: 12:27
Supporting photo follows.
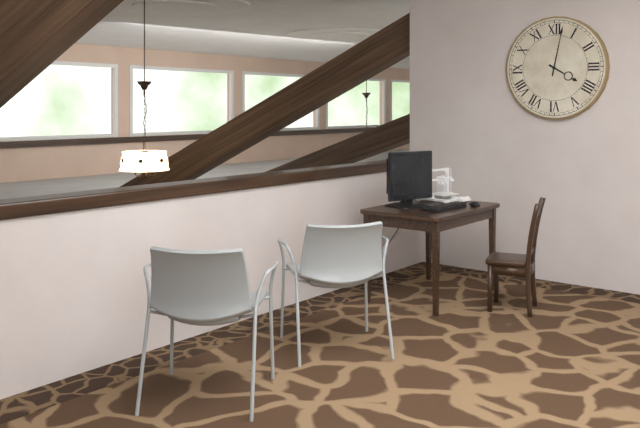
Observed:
4:02
